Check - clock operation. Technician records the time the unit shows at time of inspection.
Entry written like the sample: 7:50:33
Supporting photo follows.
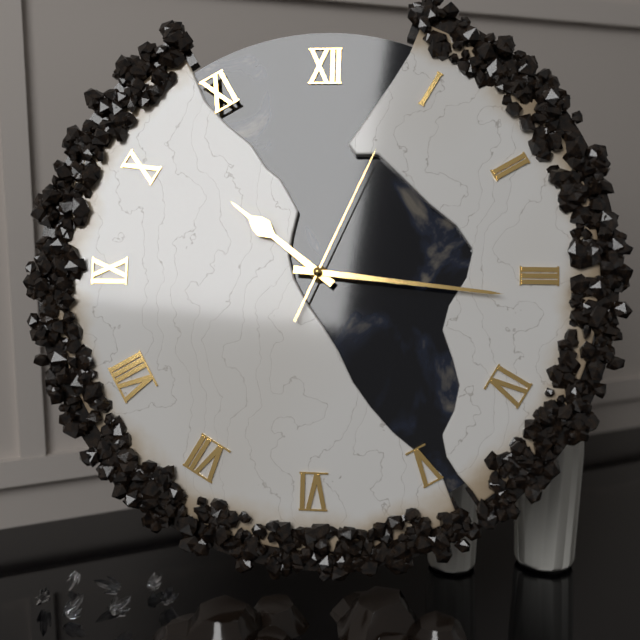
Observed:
10:16:04
